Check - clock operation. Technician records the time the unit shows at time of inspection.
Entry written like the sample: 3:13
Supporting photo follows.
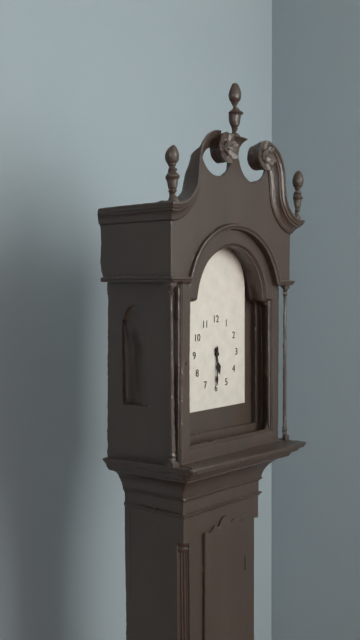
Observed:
5:30
